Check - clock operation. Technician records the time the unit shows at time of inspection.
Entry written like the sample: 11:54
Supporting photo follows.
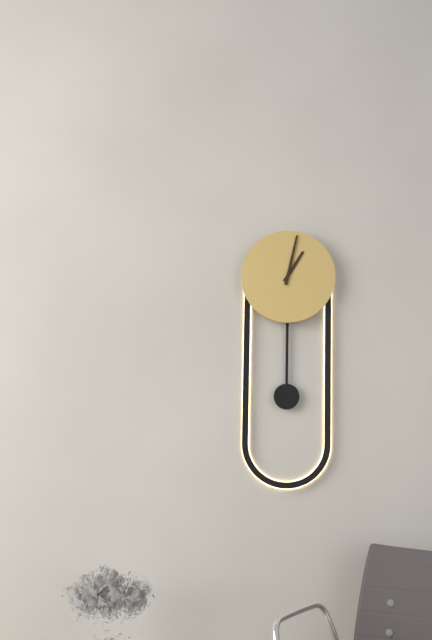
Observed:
1:02
